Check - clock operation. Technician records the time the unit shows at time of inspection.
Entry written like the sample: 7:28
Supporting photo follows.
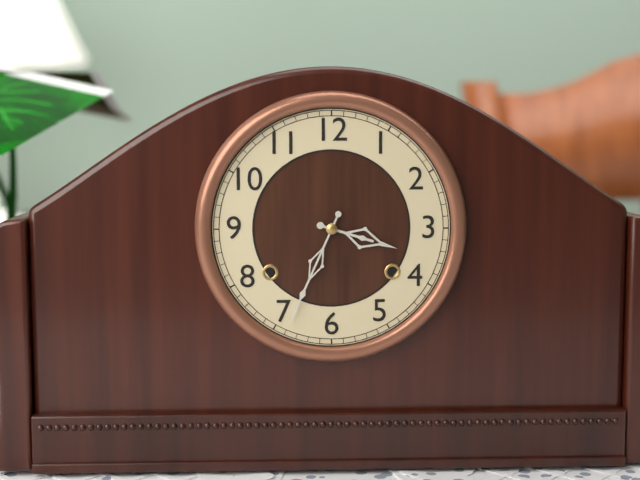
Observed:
3:34
